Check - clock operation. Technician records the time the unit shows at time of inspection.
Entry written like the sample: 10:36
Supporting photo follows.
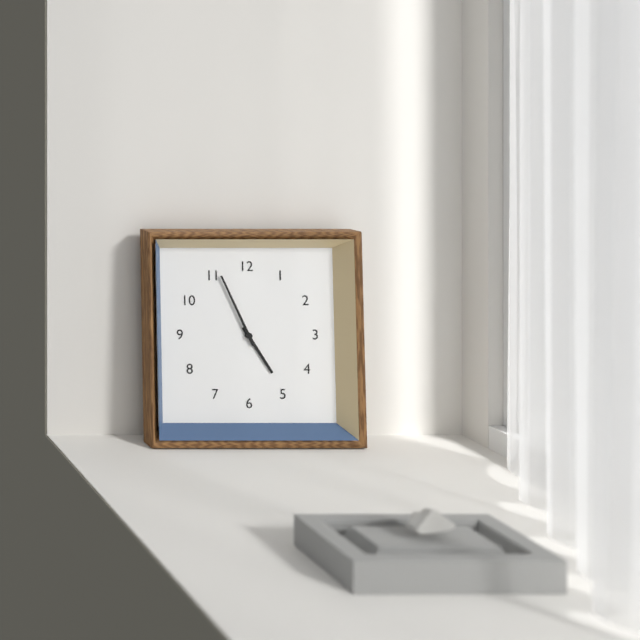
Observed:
4:56
